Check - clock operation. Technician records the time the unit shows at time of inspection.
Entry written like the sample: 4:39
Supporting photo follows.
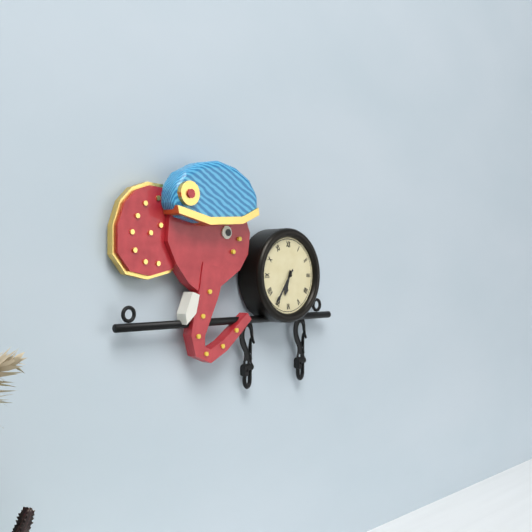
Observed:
6:36
